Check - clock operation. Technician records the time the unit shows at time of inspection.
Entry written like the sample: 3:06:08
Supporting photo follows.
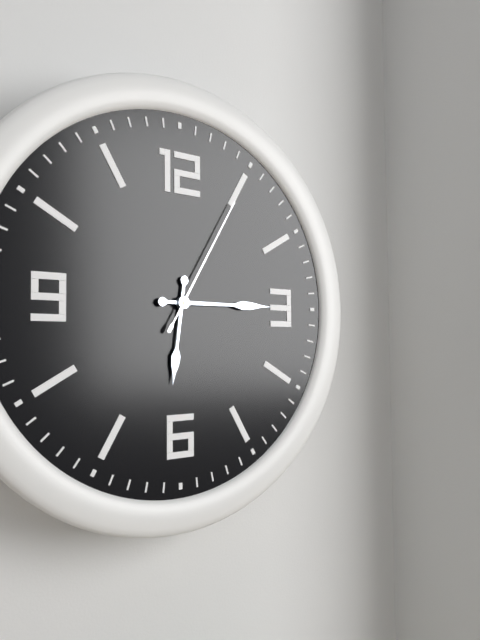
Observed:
6:15:05
